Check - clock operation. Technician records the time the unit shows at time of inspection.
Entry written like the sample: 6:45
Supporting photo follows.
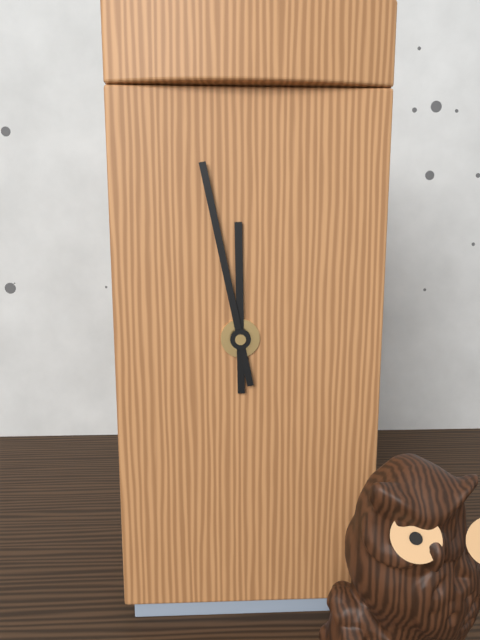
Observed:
11:58
